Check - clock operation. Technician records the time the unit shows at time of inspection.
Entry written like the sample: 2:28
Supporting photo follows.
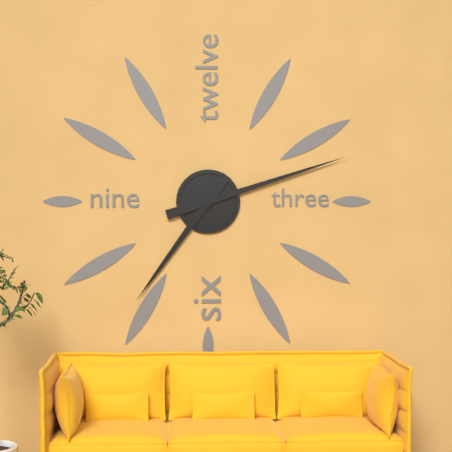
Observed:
7:12
